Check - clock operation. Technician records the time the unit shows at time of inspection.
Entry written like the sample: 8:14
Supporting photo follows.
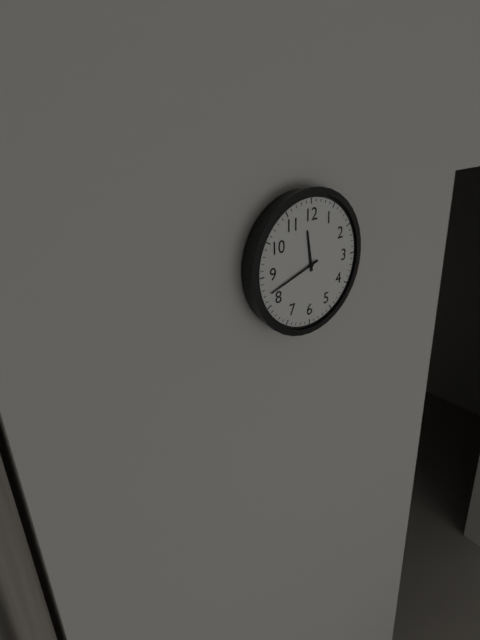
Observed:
11:42
